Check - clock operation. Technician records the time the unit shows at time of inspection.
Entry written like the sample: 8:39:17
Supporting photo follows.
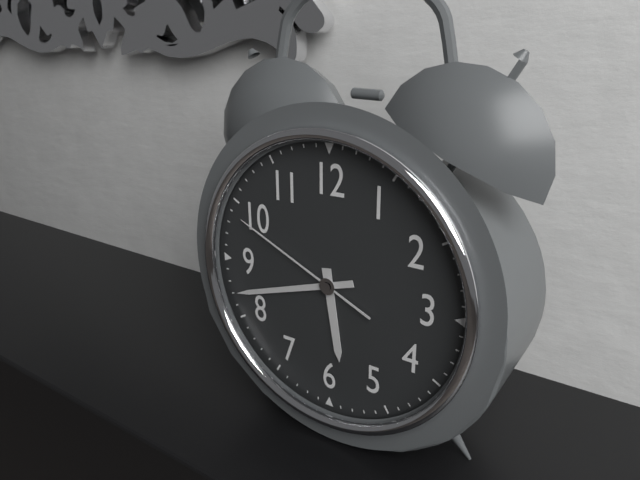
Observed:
5:42:49
